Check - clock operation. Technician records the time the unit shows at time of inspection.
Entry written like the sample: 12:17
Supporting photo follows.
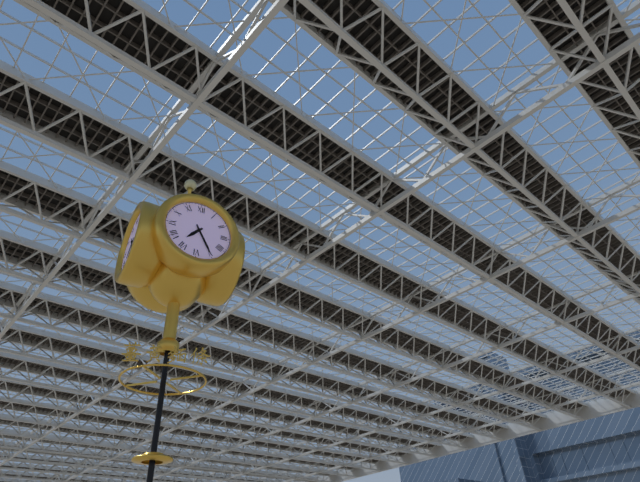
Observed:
7:25
